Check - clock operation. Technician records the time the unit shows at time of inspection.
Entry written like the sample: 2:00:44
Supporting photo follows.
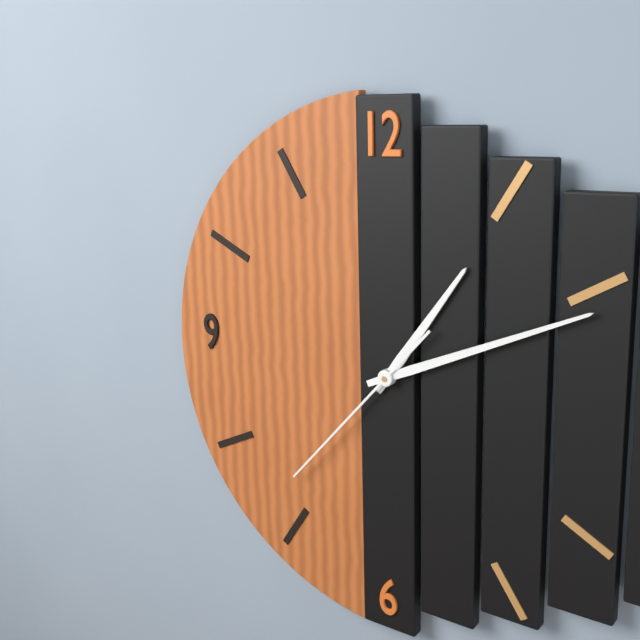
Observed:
1:11:37
